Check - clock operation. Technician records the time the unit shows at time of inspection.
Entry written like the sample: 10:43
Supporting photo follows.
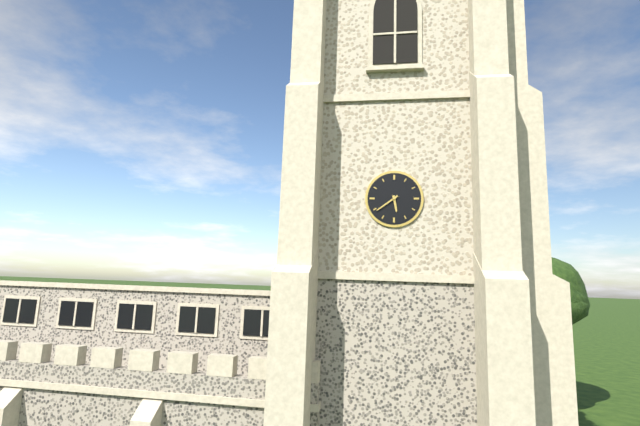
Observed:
5:39
